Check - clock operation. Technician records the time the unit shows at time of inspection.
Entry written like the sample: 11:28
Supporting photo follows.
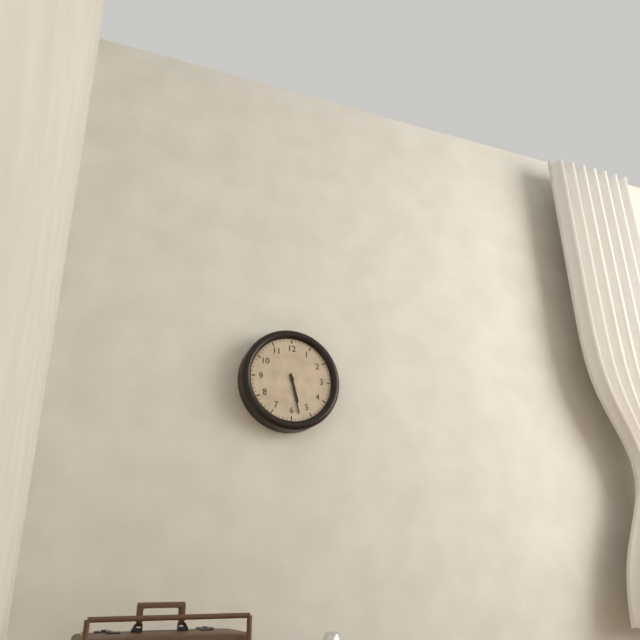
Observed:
5:28
